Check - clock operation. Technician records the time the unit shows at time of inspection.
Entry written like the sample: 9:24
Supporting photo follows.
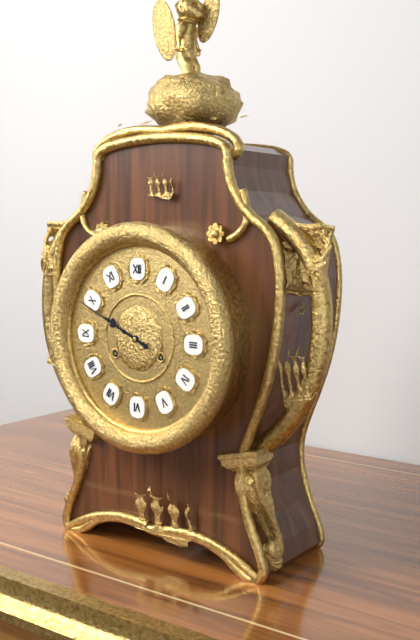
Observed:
9:49
